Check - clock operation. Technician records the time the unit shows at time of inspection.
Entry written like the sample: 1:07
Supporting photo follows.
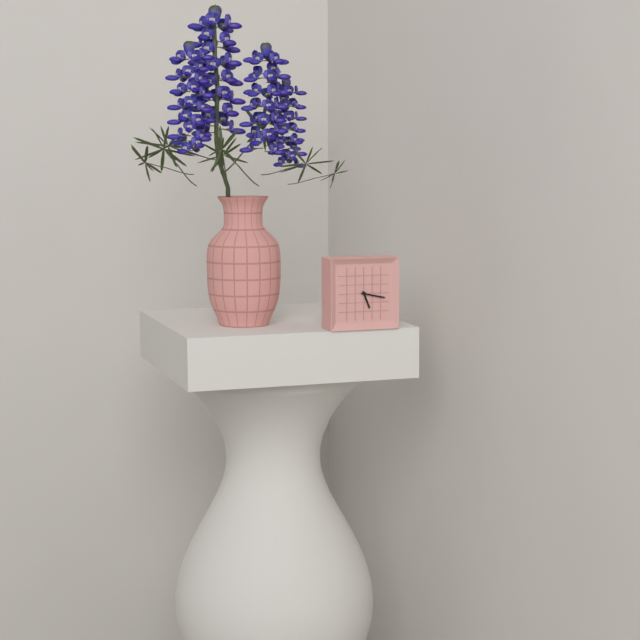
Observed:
5:17
